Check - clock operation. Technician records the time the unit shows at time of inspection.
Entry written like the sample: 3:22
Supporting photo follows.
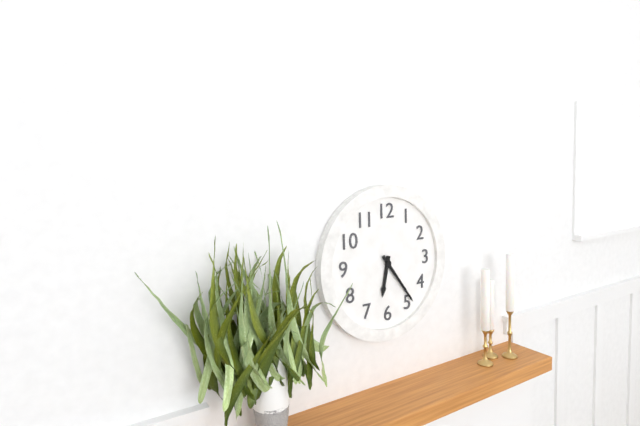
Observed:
6:24
